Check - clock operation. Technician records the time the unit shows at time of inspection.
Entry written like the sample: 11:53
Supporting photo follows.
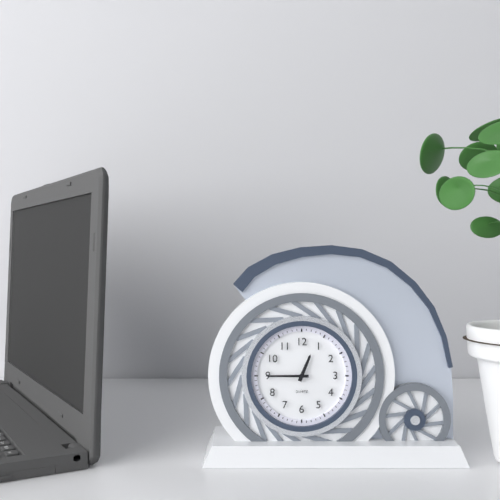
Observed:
12:45
